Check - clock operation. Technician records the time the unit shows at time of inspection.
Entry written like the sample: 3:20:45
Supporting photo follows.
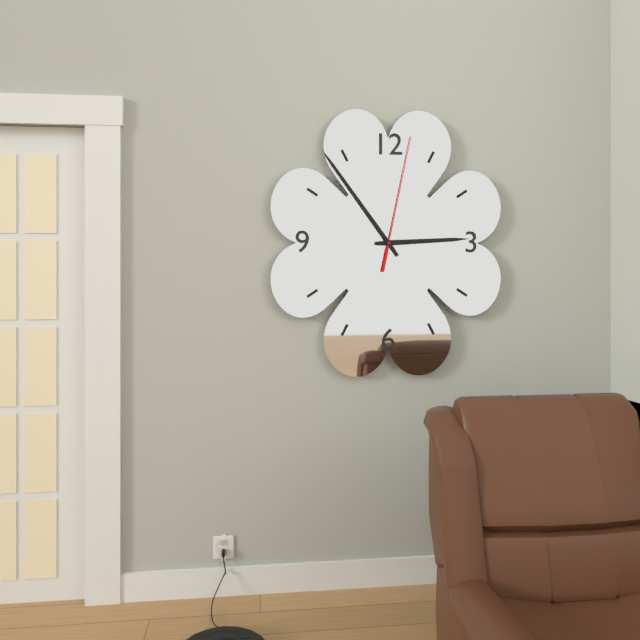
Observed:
2:54:02
